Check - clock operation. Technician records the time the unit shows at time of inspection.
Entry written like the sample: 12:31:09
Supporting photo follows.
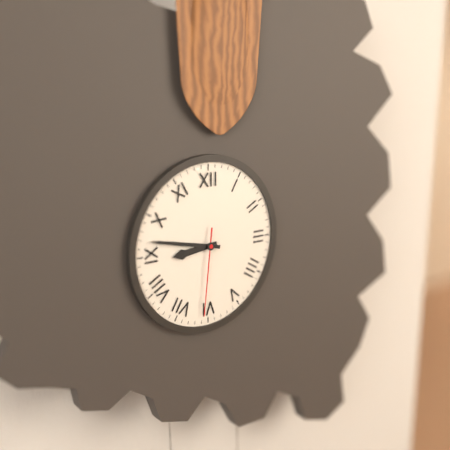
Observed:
8:47:31
